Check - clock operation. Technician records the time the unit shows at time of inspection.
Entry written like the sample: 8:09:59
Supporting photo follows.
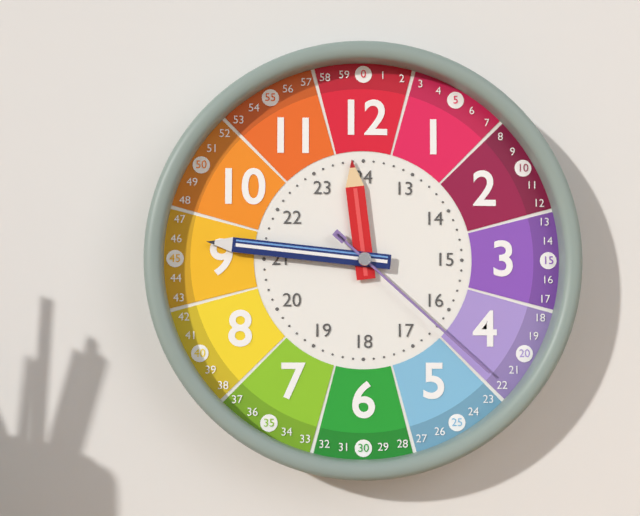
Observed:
11:46:22
